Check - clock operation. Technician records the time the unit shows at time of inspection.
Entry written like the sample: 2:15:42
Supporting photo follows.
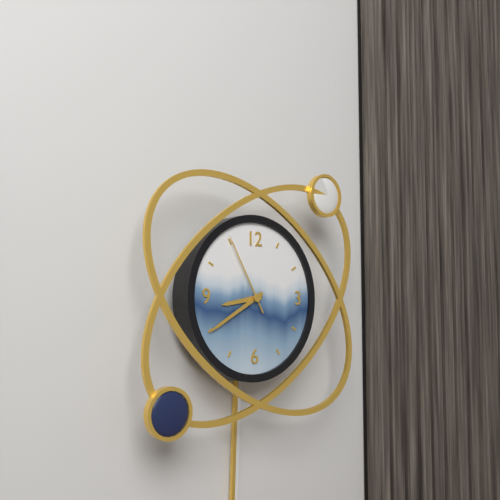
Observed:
8:40:55
